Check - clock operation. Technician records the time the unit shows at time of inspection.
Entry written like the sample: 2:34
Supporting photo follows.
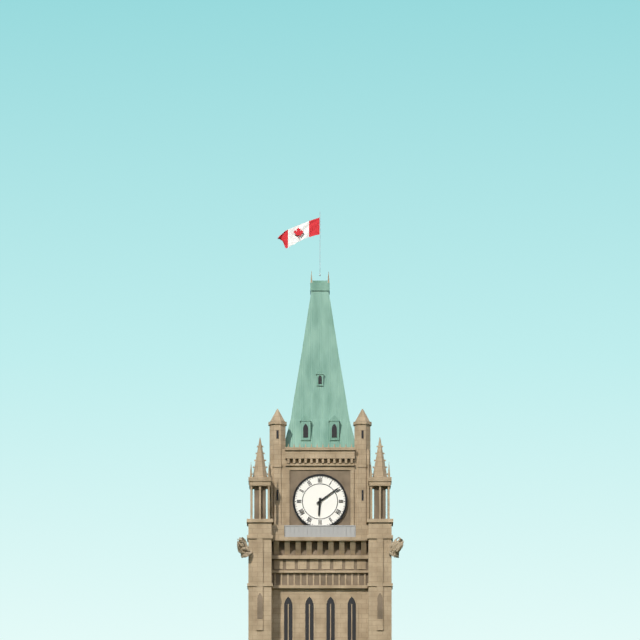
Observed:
6:09
